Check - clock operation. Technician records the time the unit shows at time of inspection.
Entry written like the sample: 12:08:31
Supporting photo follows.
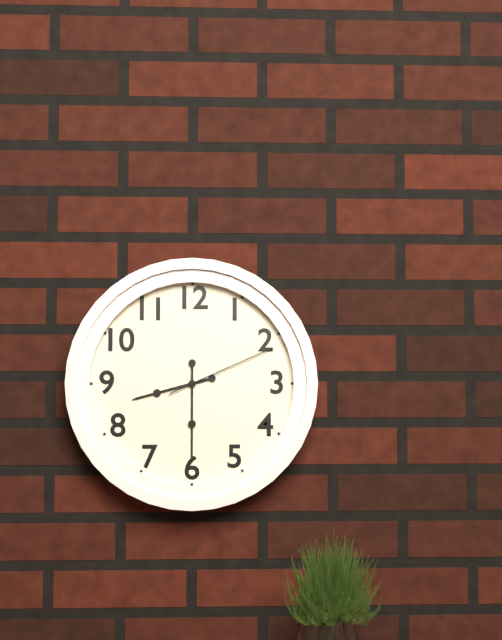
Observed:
8:30:11
